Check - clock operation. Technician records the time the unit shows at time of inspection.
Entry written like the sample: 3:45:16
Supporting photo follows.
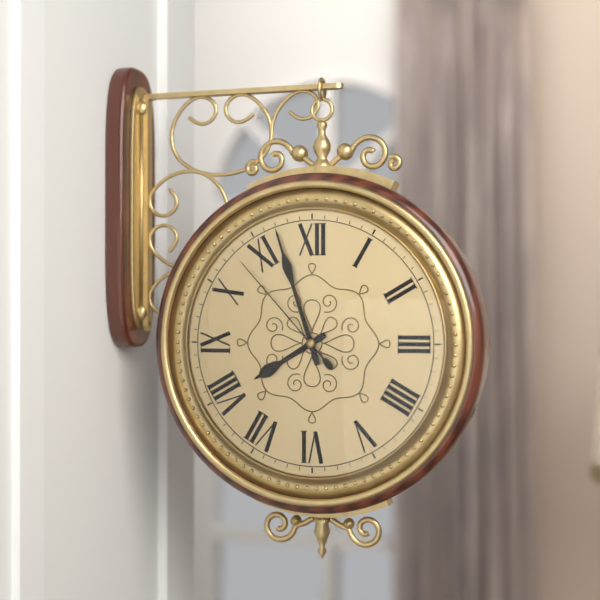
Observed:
7:57:53
